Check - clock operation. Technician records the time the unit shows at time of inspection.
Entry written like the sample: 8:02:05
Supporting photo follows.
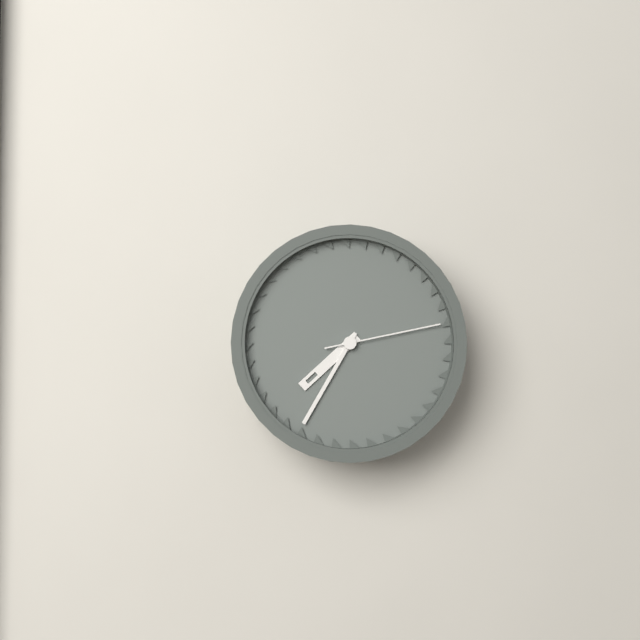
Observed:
7:35:13
